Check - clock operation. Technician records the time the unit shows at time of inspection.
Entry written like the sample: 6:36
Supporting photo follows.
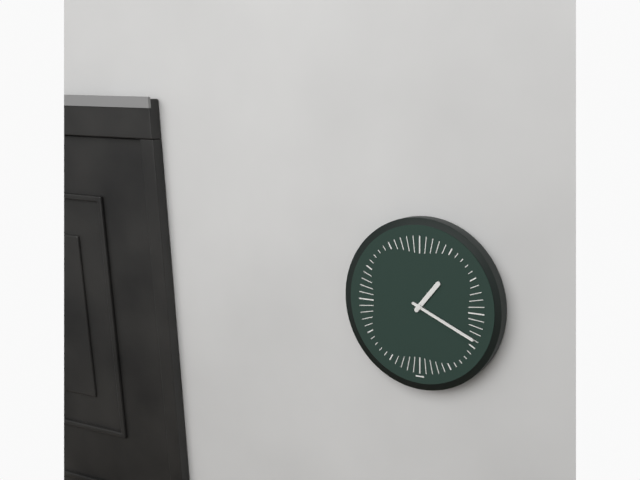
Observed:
1:19
